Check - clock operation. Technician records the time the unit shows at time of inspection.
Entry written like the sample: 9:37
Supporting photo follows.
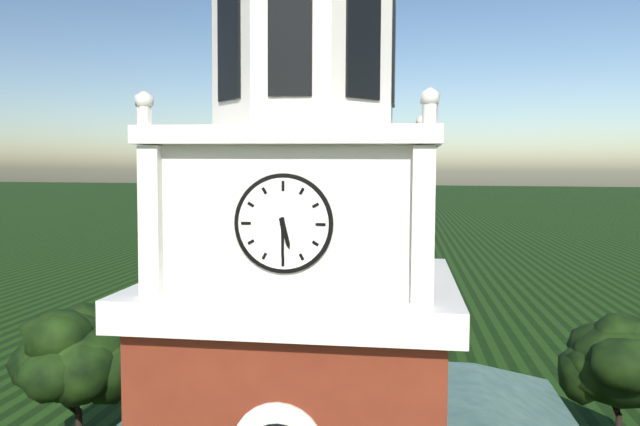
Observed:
5:30
